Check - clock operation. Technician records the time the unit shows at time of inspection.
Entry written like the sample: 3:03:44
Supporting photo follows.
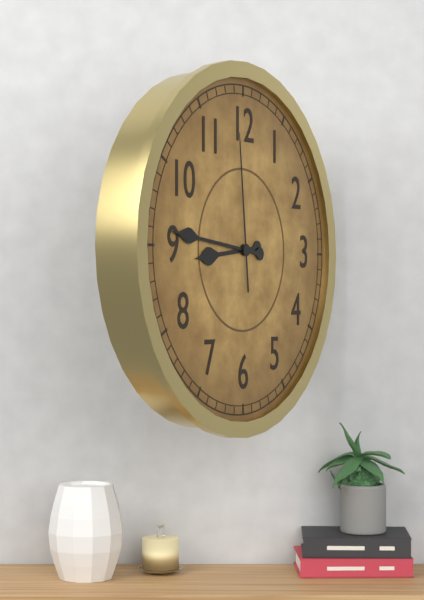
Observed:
8:46:59
